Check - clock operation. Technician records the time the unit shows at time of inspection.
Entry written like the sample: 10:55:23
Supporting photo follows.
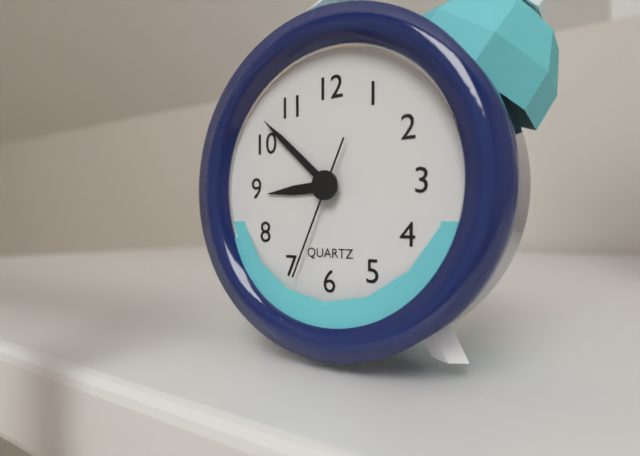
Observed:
8:52:34
